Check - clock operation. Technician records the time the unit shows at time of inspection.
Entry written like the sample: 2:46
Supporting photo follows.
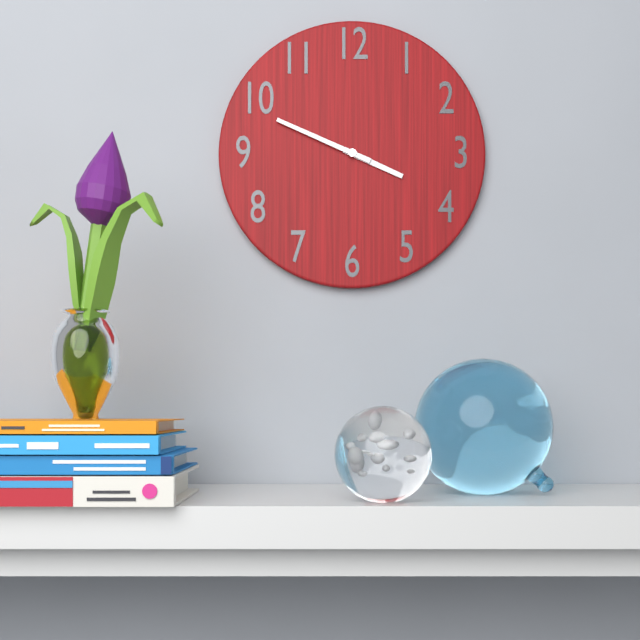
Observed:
3:49
